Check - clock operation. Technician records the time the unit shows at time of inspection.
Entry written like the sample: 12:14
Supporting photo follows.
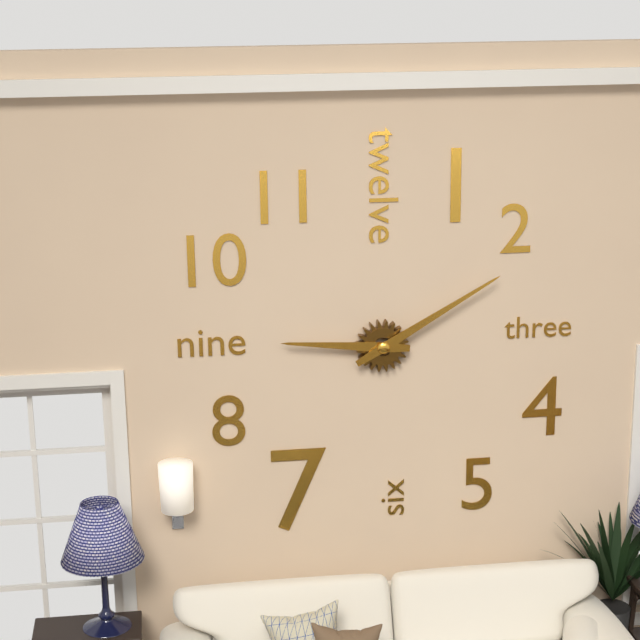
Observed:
9:10
